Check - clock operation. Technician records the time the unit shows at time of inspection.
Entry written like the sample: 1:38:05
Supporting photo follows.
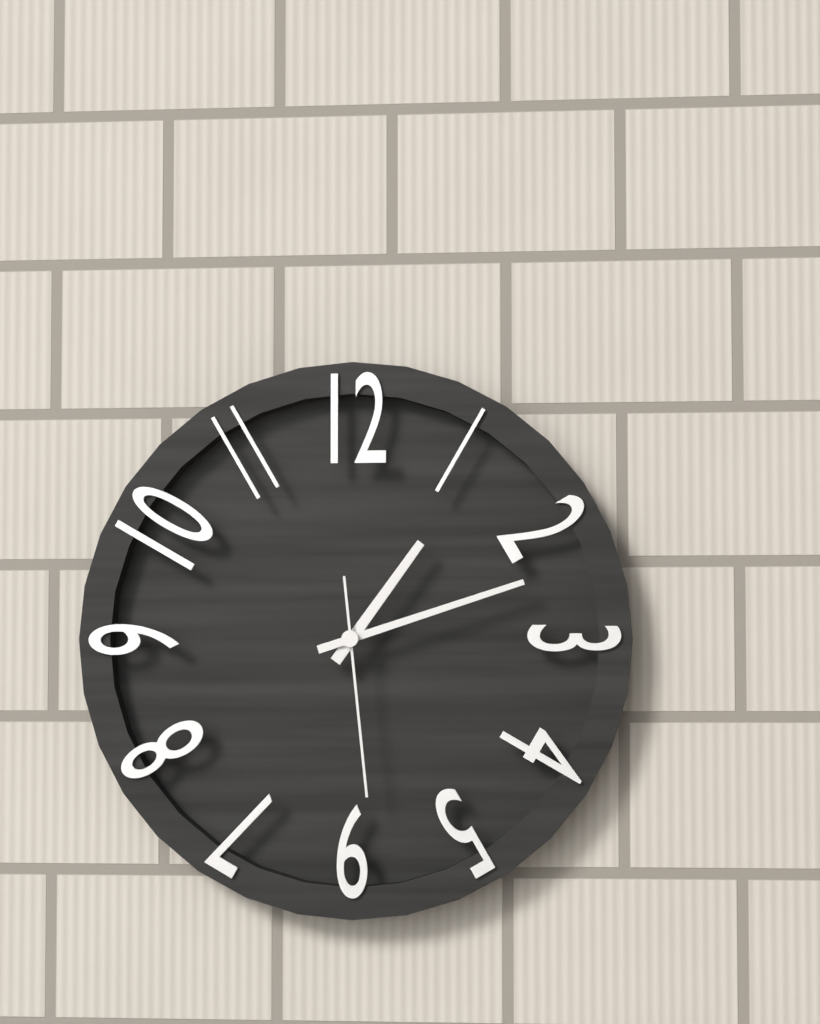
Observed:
1:12:29
